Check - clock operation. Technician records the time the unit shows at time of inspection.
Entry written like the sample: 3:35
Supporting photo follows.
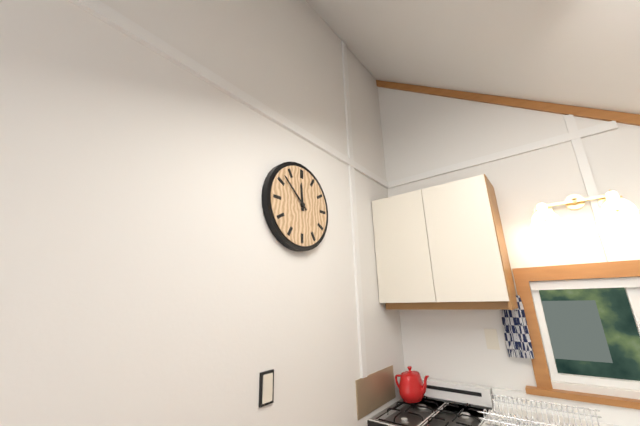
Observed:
11:52
